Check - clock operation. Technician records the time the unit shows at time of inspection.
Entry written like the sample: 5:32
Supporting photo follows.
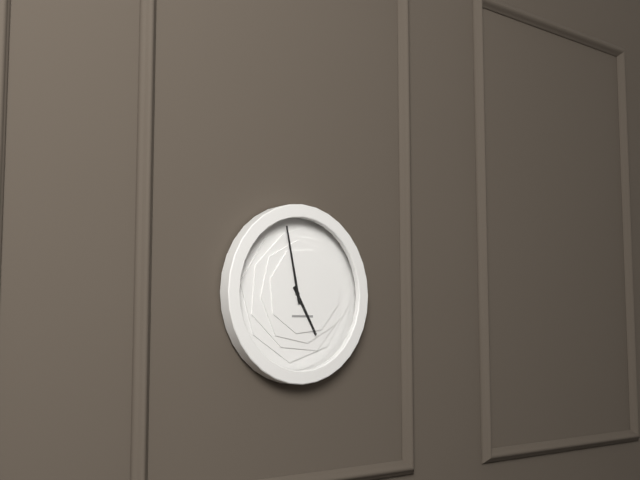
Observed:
4:58
